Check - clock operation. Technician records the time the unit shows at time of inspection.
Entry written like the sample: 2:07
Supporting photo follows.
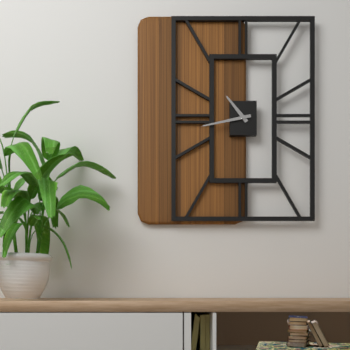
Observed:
10:43
